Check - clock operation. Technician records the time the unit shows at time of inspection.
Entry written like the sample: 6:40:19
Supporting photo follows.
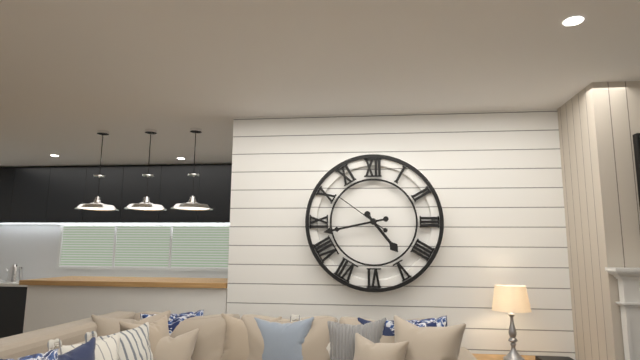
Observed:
4:43:51
